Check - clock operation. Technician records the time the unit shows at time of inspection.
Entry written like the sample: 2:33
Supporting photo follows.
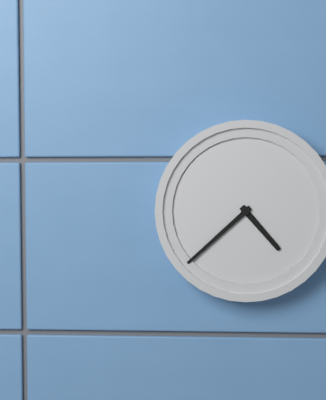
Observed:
4:38
